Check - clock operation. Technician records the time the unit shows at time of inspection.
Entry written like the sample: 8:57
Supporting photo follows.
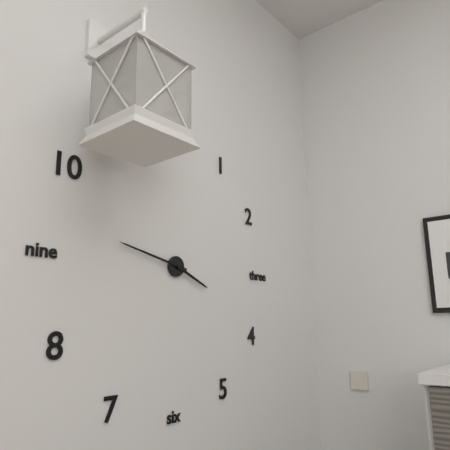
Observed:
3:47
